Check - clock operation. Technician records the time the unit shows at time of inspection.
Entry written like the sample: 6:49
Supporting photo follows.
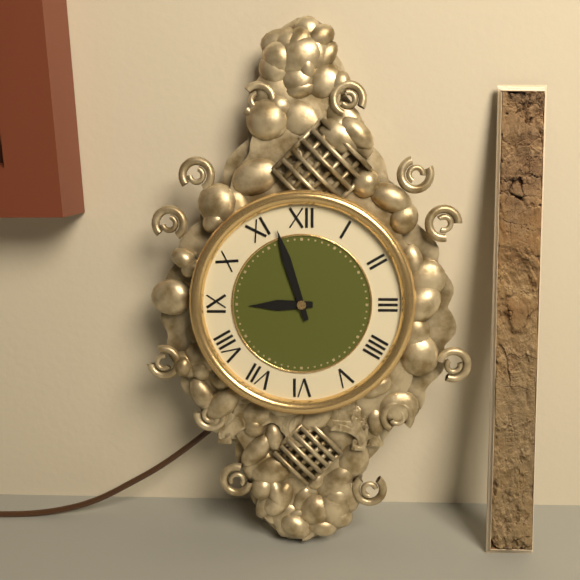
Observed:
8:57
